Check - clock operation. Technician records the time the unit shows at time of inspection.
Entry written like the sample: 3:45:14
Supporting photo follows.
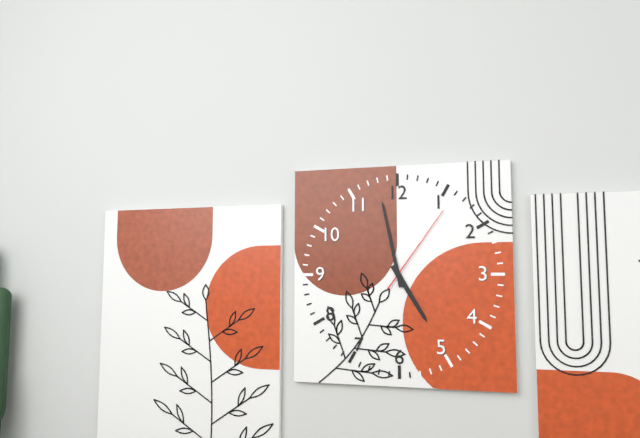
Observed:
4:58:06
